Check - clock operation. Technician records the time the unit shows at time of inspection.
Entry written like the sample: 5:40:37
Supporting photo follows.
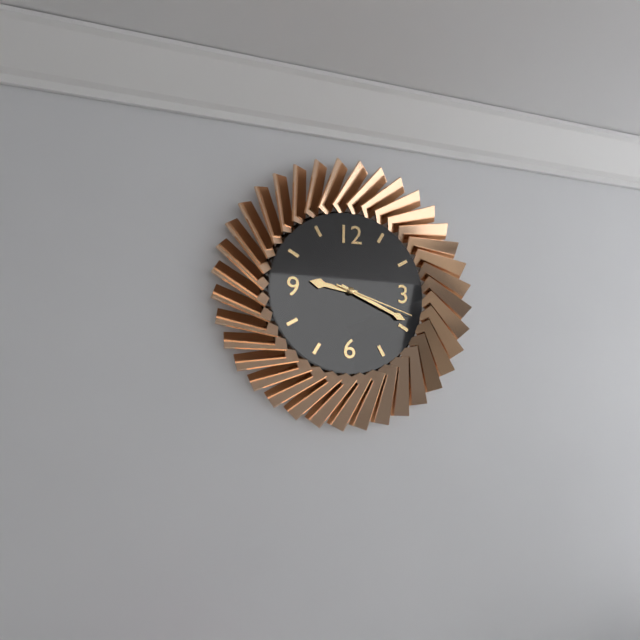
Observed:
9:19:18
